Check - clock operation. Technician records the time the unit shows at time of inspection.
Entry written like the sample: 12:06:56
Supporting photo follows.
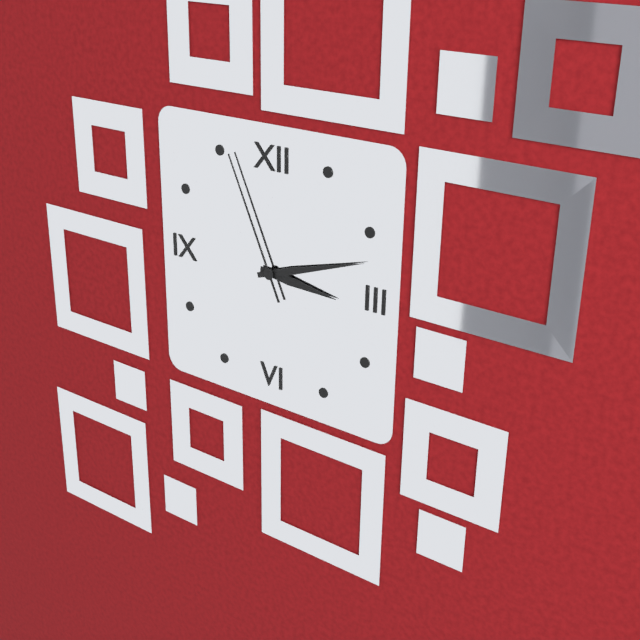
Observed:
3:12:56
